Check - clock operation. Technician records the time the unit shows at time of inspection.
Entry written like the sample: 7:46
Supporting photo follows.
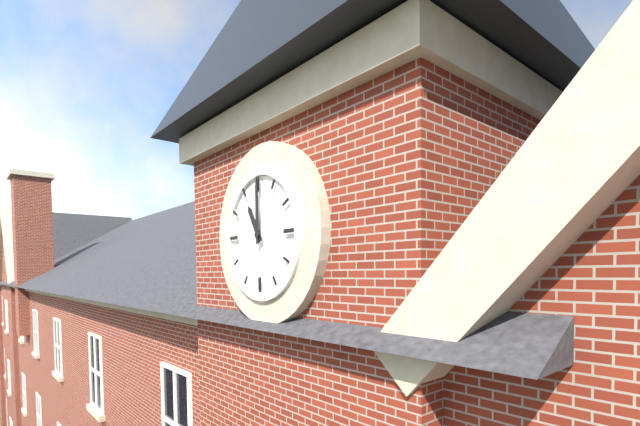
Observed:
11:00
